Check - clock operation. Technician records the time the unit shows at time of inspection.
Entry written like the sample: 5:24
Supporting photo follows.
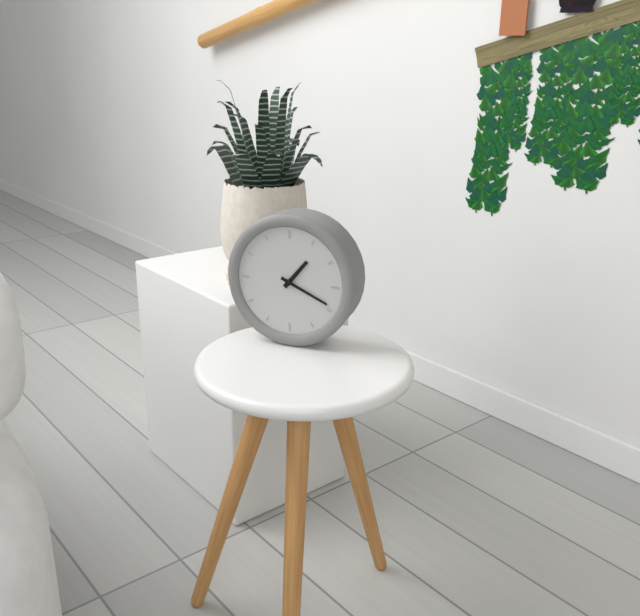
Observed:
1:19
